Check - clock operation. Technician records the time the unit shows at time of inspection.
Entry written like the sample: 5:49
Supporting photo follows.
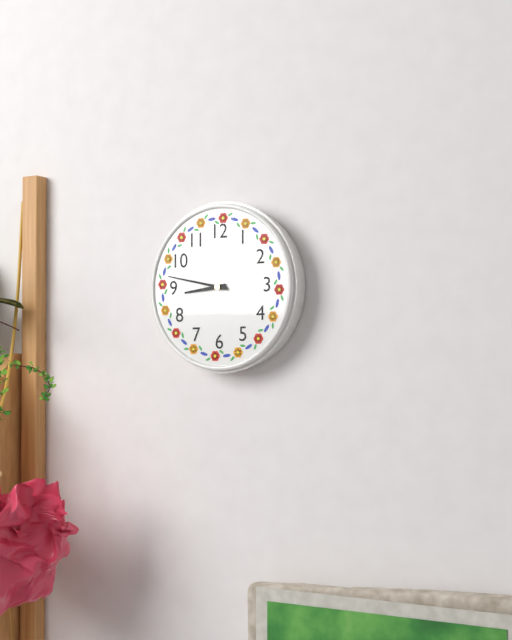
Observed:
8:47
